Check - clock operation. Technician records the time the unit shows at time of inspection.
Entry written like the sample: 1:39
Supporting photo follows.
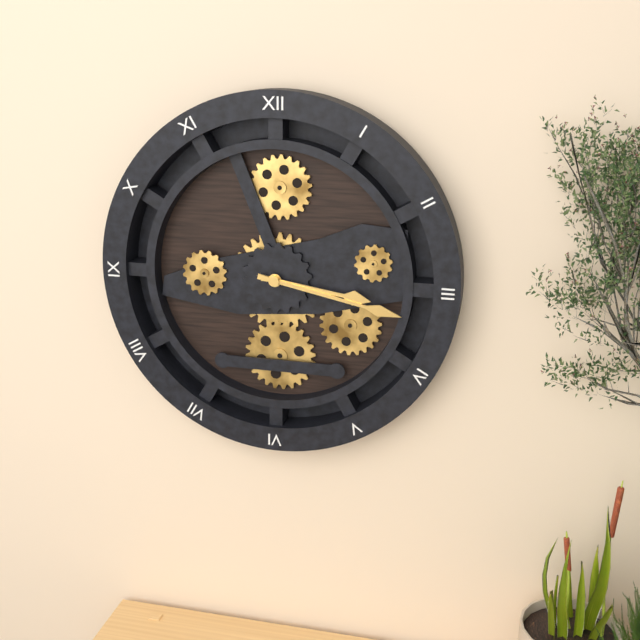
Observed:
3:17
